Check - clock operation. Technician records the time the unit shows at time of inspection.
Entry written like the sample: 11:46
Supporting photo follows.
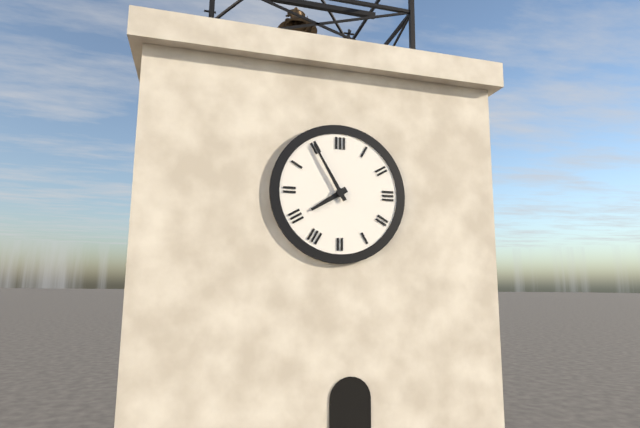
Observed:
7:55
